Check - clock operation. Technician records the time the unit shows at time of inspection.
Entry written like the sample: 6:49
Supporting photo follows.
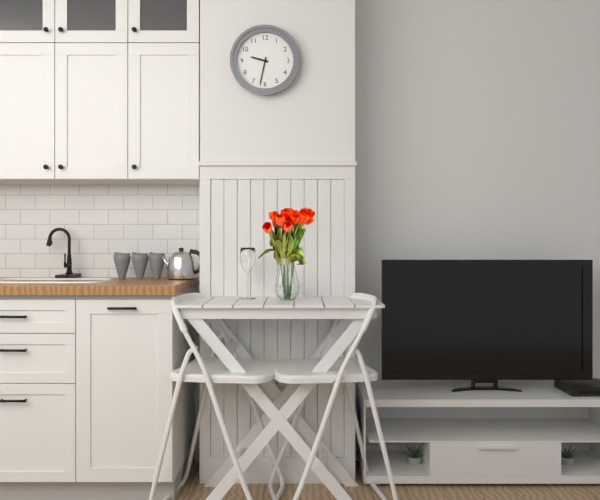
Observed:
9:32
